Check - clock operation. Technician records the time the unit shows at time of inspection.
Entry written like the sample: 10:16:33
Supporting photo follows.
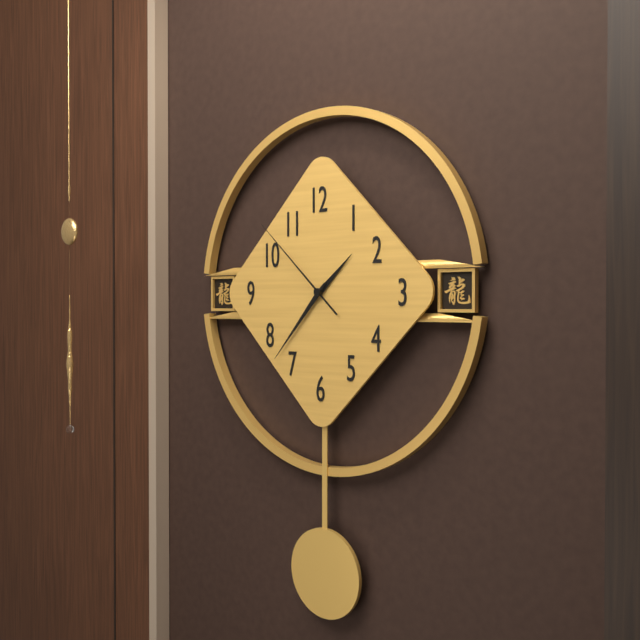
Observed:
1:37:52
